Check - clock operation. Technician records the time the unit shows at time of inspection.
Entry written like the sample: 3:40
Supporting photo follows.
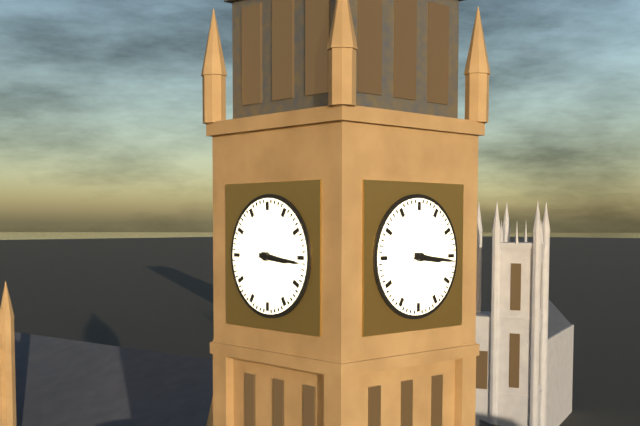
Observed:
3:16
